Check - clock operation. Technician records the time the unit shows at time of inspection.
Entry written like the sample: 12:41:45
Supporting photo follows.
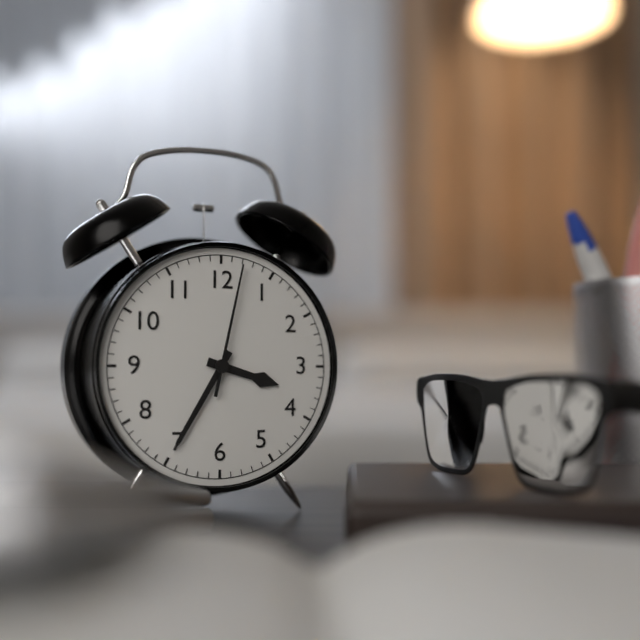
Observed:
3:35:02
